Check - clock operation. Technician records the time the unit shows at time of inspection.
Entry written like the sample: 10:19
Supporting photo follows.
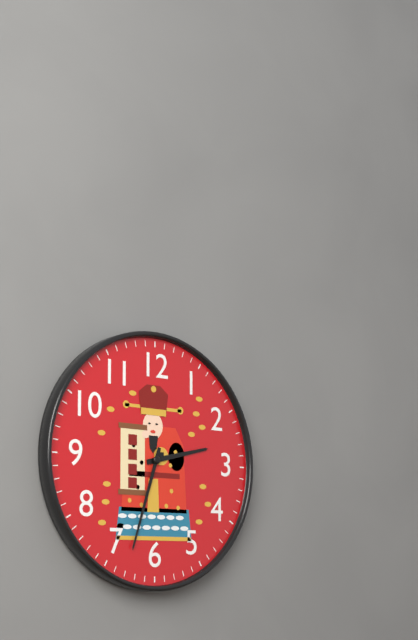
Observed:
2:33
